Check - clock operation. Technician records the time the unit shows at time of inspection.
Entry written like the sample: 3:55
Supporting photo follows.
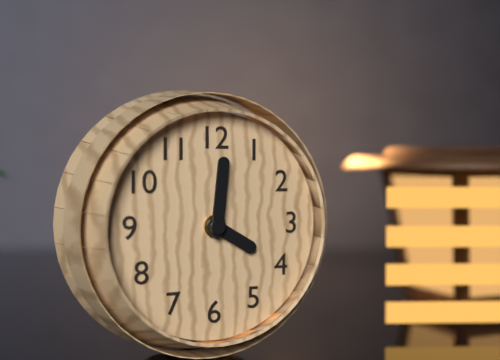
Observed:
4:01
